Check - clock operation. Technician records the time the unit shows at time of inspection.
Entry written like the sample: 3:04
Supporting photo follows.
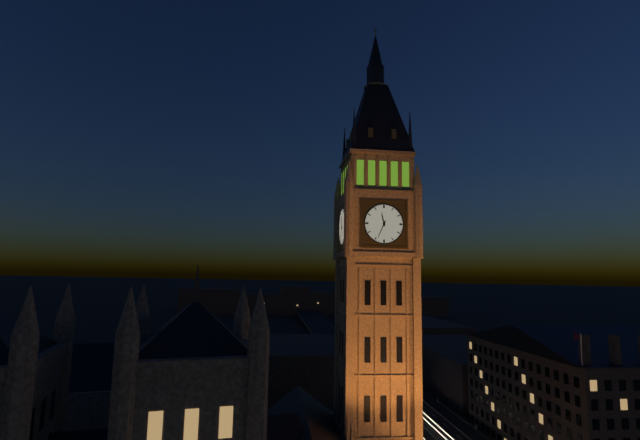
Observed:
11:34
